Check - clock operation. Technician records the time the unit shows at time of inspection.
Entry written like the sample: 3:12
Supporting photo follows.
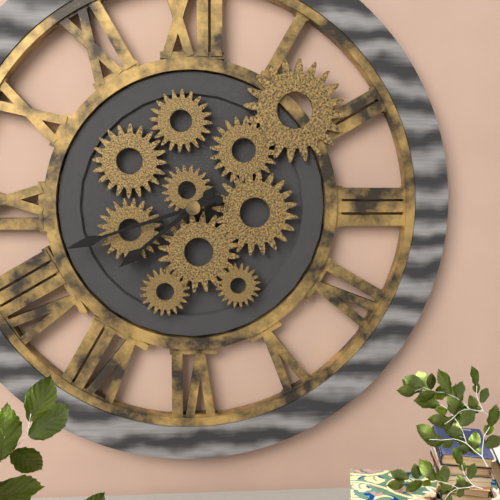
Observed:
7:42
